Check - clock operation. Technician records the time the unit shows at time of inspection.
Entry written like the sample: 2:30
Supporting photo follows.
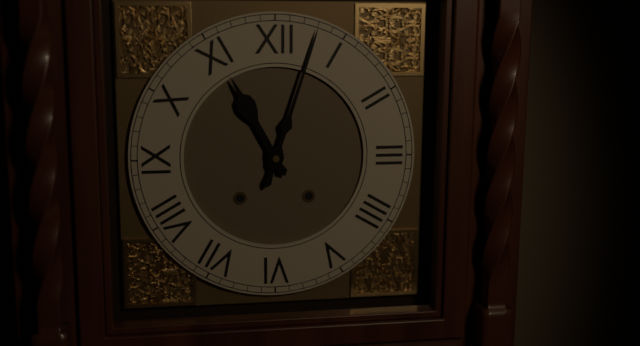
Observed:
11:03
